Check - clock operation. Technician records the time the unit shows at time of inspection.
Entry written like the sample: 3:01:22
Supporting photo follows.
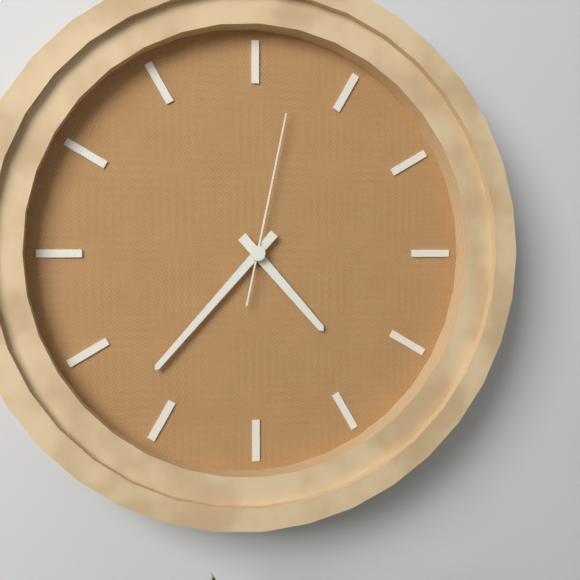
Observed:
4:37:02
